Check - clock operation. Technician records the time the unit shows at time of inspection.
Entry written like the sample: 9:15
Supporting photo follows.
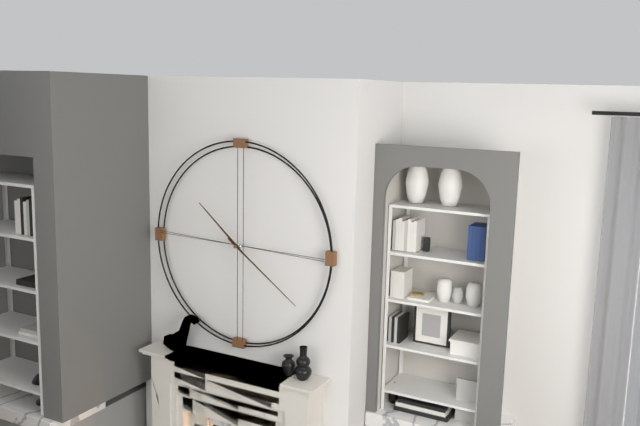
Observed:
10:21
